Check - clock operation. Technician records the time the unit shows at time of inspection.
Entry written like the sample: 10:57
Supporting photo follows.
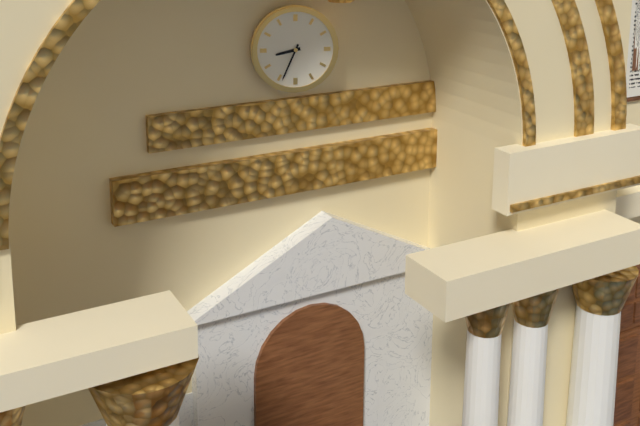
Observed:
8:34
